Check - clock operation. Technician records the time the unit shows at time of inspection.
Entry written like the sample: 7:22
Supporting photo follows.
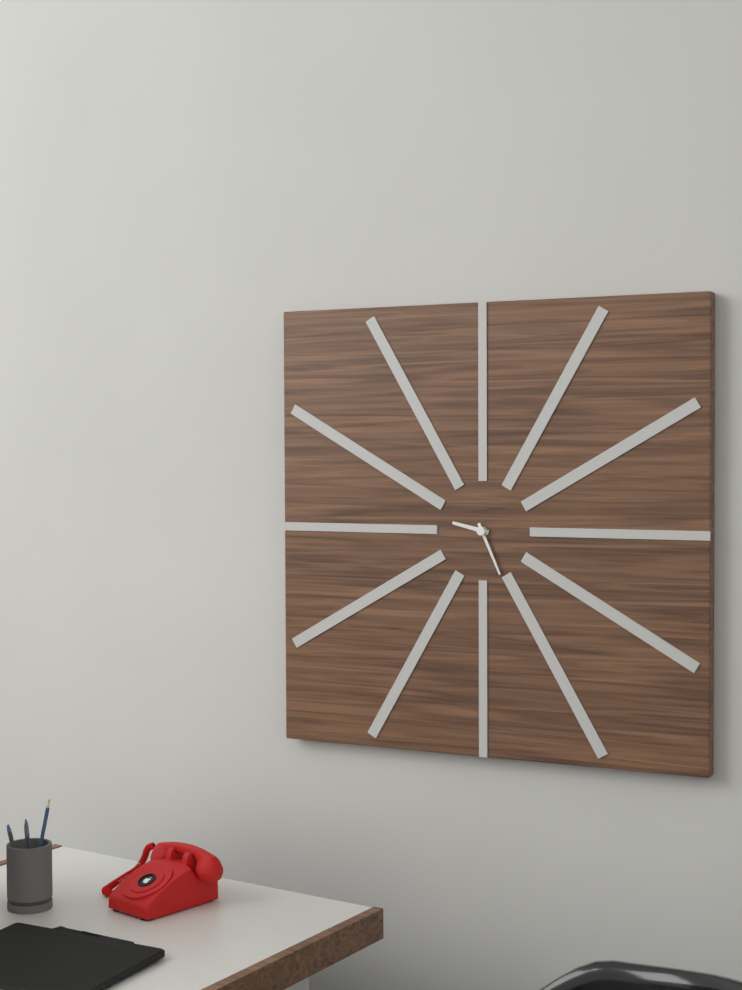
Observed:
9:26
